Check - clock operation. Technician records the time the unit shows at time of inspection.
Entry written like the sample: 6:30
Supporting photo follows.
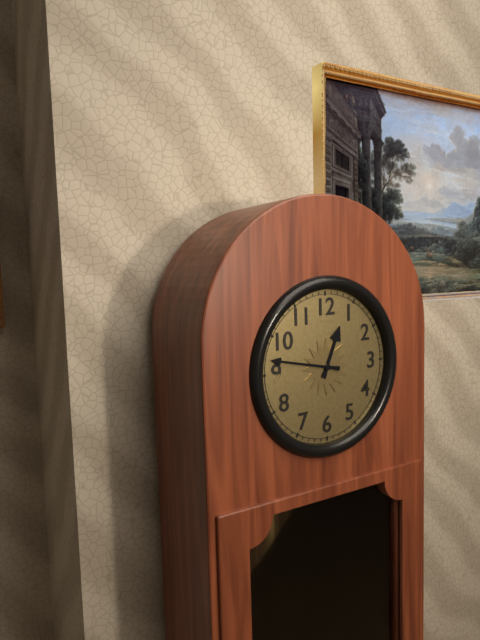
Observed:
12:47
